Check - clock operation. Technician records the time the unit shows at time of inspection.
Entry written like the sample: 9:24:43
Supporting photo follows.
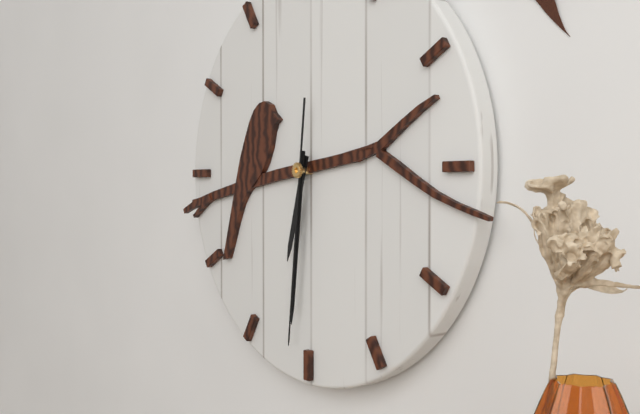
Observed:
6:31:31
